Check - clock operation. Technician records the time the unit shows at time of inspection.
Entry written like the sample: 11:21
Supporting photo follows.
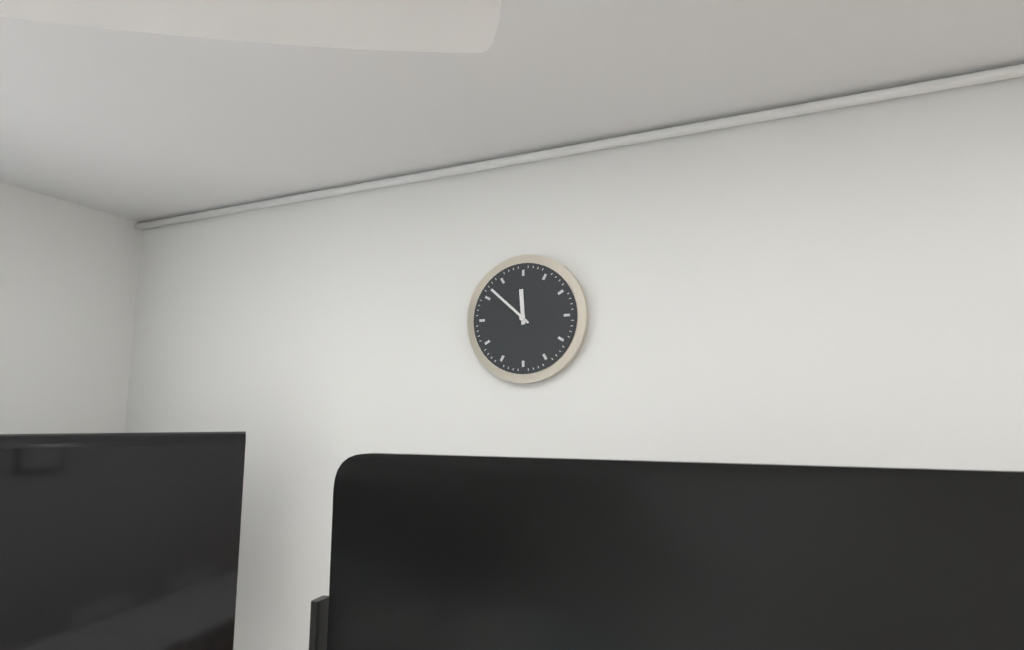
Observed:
11:52
